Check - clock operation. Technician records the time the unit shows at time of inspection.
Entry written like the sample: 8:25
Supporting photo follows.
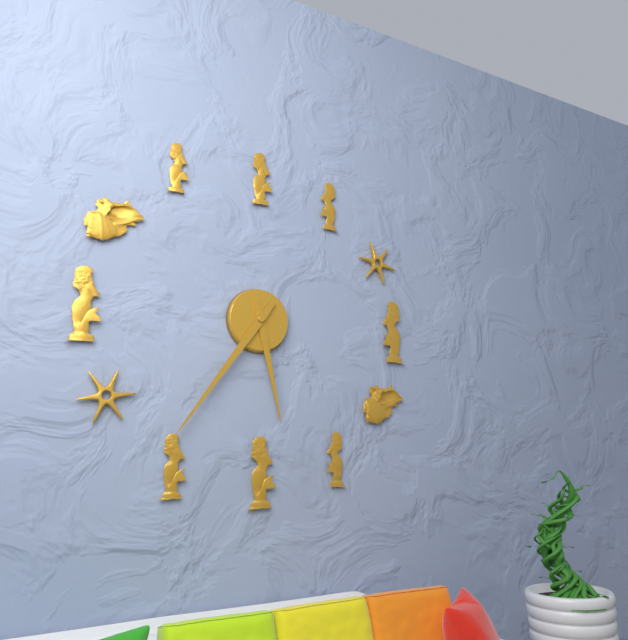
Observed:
5:36
